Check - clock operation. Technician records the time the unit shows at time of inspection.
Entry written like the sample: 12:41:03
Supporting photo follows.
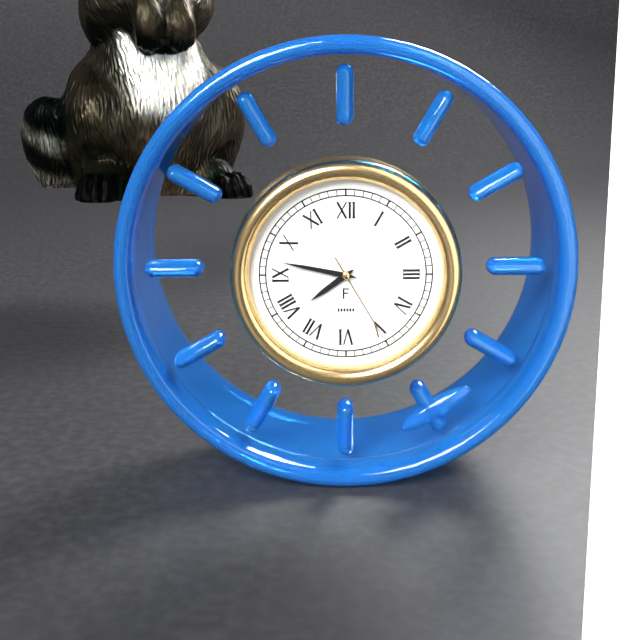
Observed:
7:47:25
